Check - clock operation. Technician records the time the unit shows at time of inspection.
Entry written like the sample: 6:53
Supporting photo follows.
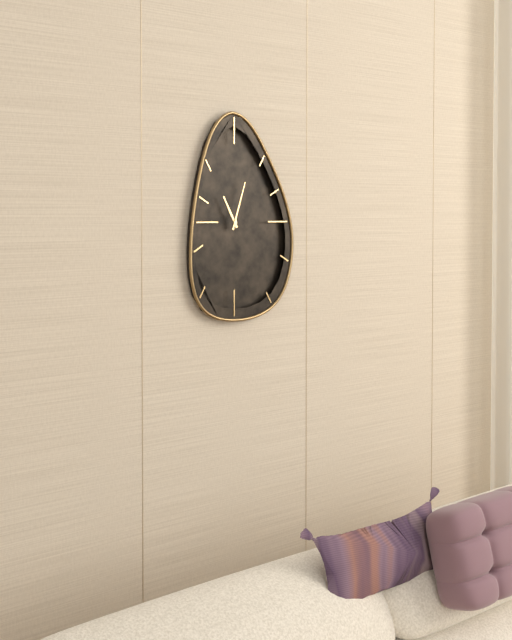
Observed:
11:03
